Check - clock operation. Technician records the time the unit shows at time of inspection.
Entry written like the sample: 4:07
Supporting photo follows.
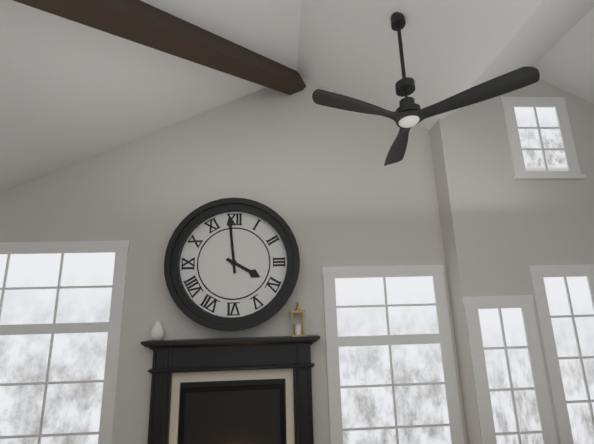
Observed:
3:59
